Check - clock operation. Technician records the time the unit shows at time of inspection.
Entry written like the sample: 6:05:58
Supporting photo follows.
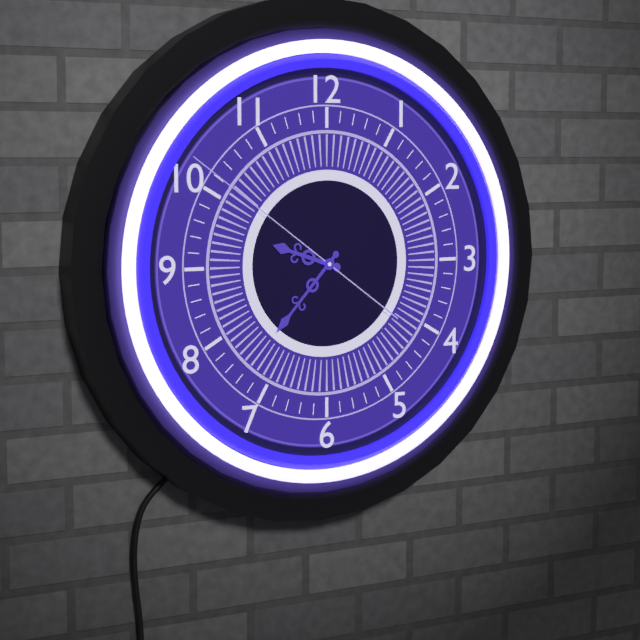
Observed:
9:37:51
